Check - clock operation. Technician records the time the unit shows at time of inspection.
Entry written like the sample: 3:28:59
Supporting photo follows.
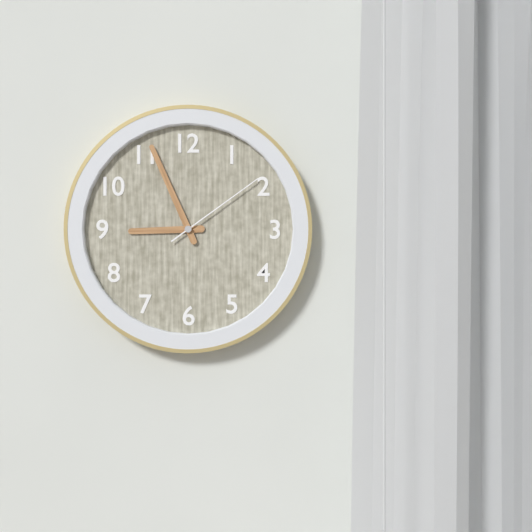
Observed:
8:56:09
